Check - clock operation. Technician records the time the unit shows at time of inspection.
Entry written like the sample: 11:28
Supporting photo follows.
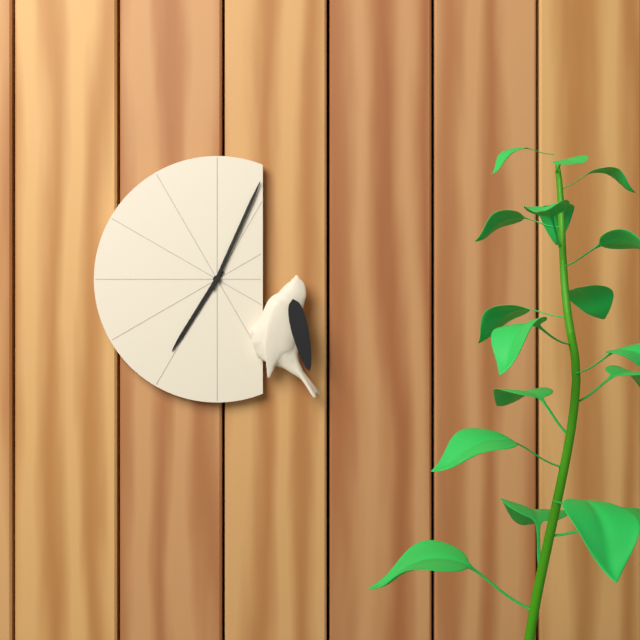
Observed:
7:04
